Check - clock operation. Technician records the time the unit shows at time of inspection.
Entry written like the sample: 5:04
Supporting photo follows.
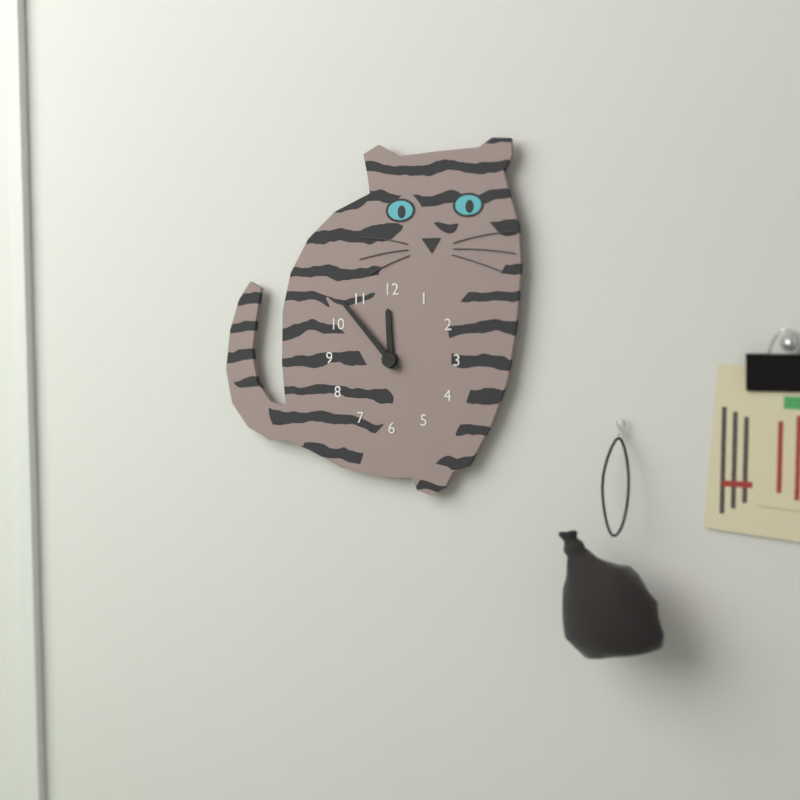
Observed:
11:53
